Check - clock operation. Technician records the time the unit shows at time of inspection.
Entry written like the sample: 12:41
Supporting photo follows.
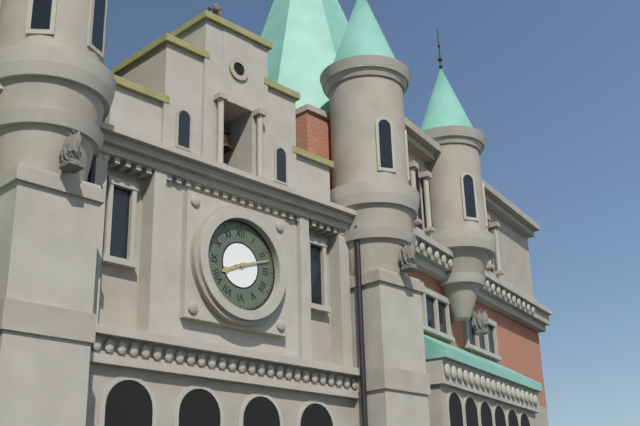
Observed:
8:12
